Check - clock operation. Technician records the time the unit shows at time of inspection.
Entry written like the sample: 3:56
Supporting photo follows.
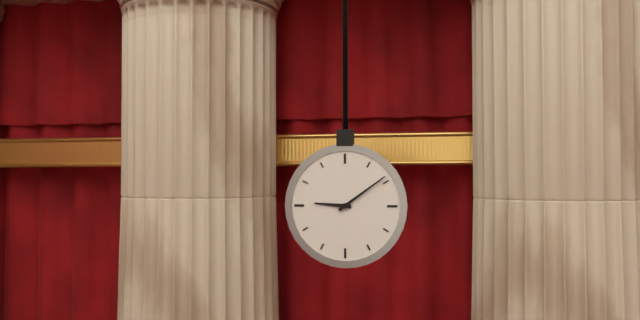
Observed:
9:09
